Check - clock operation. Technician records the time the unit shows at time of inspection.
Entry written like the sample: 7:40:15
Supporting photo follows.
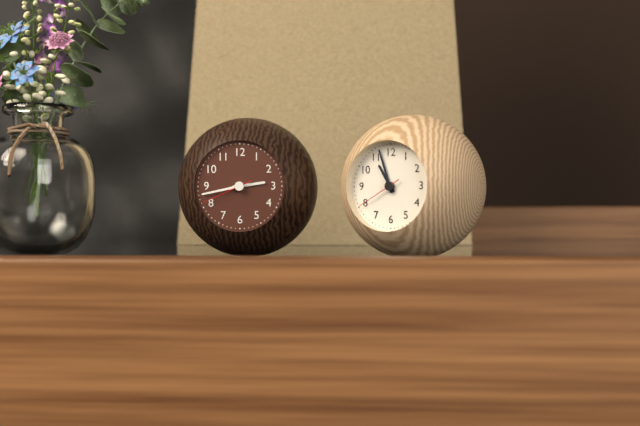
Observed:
2:43:41
